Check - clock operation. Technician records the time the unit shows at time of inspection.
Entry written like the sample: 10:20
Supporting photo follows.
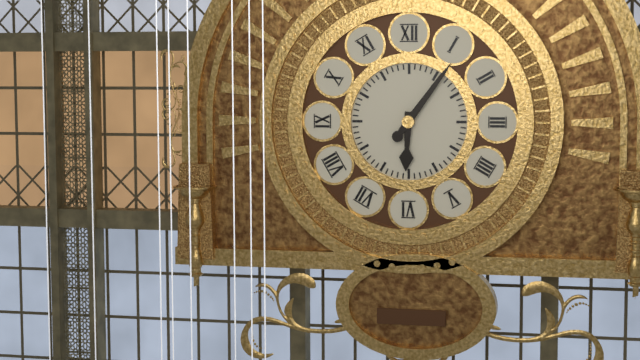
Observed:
6:06
